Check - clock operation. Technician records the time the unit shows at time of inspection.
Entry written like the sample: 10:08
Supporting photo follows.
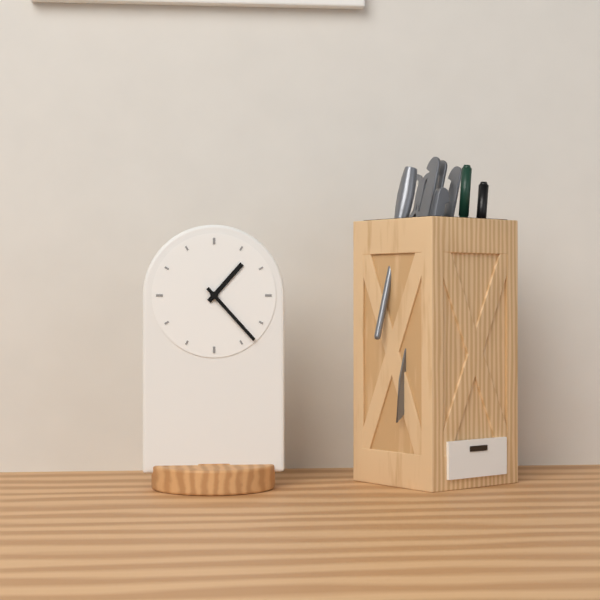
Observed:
1:23
